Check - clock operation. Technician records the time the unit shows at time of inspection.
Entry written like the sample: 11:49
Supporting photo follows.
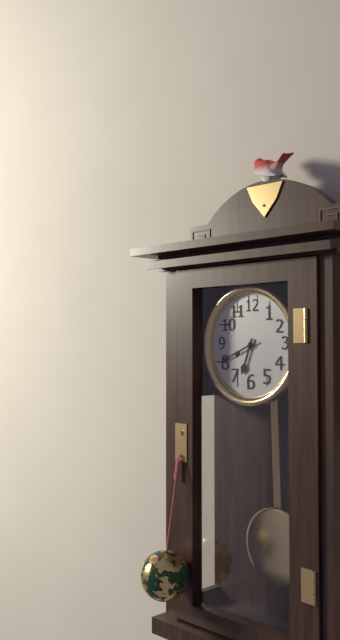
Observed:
6:41
